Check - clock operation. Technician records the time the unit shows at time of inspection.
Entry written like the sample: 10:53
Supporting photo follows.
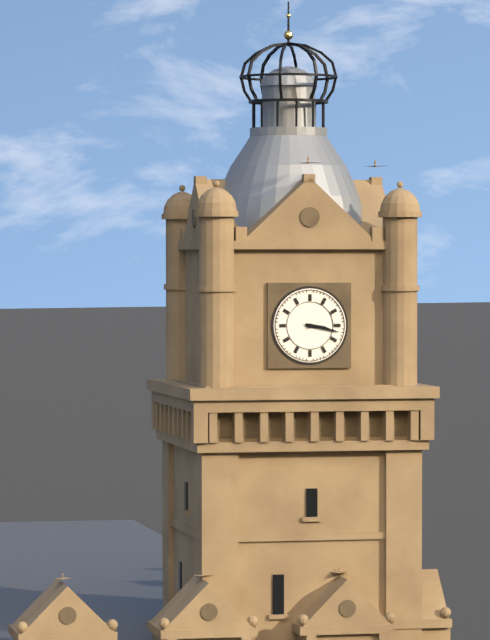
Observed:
3:17
